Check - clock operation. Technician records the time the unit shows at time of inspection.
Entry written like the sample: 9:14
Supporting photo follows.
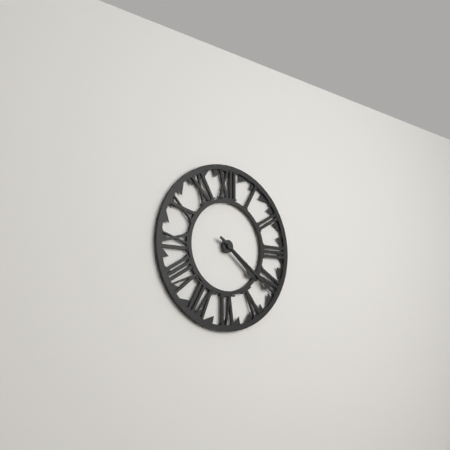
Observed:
4:21
